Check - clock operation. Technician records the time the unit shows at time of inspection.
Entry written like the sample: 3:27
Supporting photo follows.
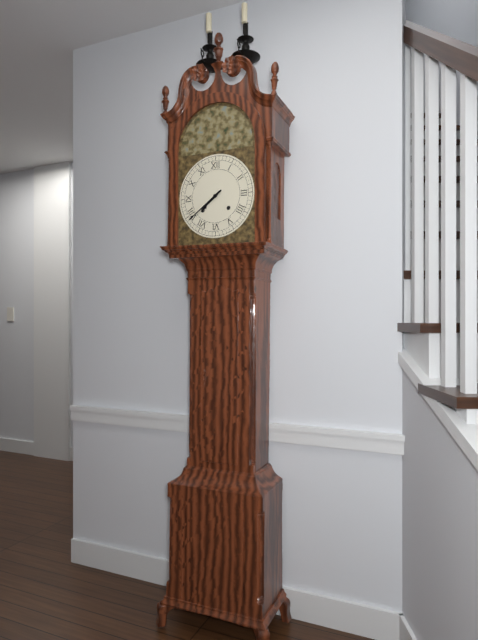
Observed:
7:39
